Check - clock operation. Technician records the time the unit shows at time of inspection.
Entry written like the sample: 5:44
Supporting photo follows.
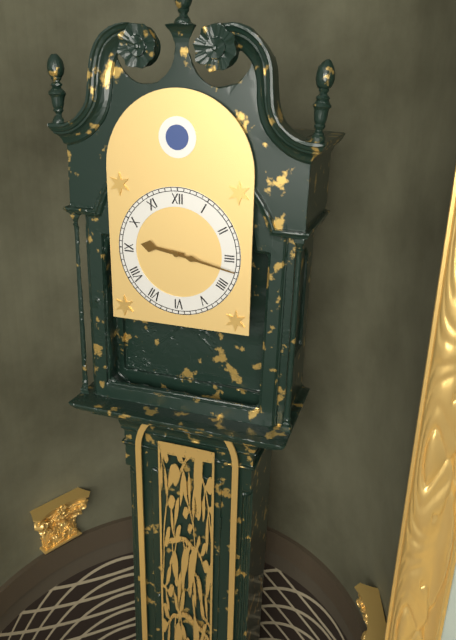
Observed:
9:17
